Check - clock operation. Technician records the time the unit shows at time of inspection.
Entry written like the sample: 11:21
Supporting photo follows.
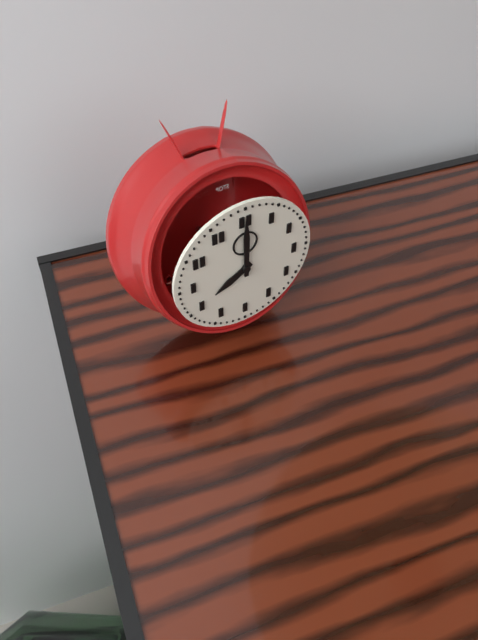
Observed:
8:00
